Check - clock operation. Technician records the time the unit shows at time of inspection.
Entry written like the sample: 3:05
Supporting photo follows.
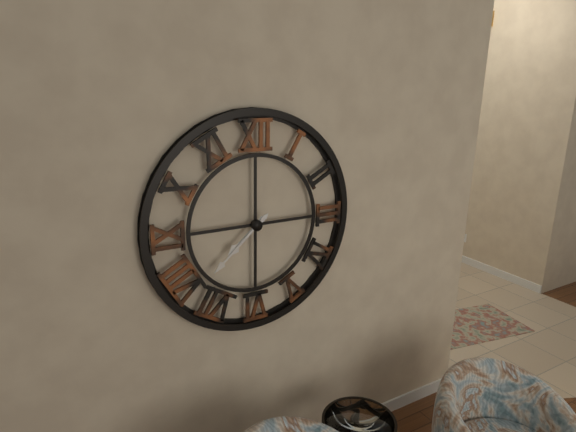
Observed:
7:38
